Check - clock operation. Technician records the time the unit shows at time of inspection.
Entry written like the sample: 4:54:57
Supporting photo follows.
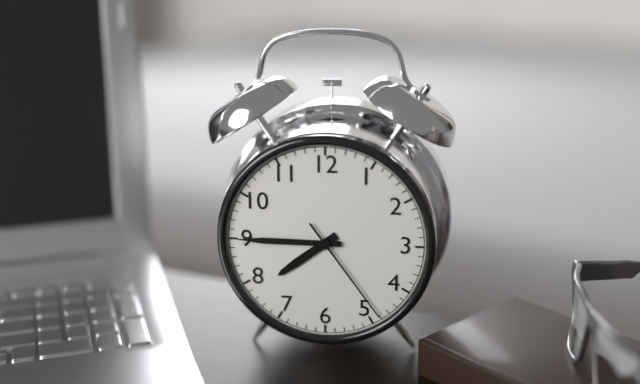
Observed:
7:45:24
